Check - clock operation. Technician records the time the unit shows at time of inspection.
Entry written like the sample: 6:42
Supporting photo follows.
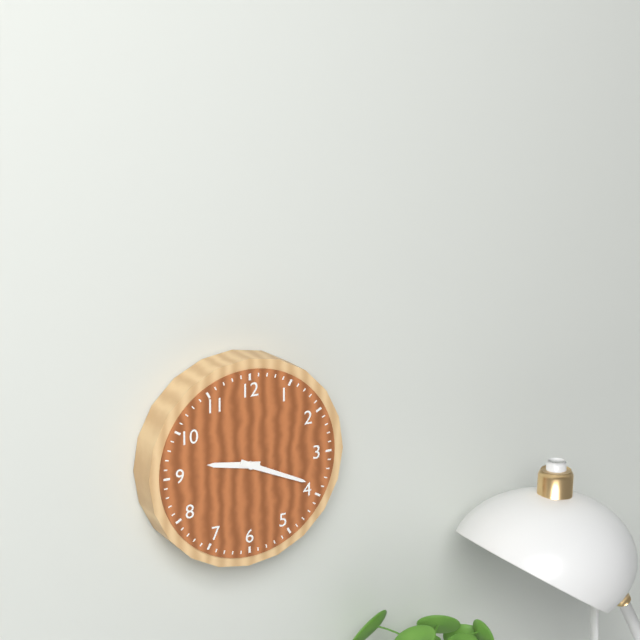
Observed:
9:19
